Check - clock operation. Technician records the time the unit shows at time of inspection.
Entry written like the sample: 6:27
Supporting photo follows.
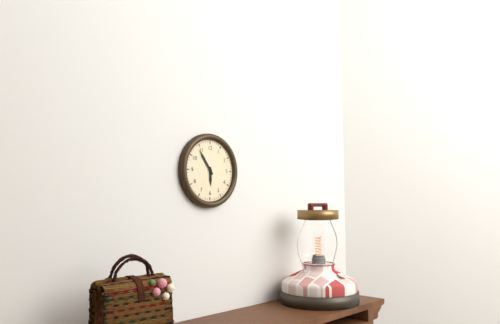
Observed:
5:54
